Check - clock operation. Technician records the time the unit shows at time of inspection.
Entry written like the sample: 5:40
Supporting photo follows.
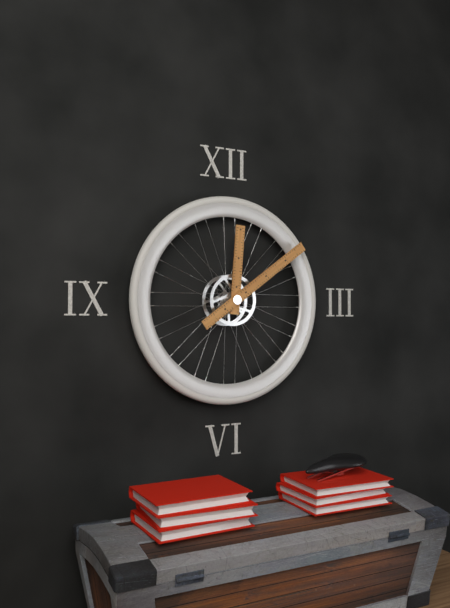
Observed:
12:09
